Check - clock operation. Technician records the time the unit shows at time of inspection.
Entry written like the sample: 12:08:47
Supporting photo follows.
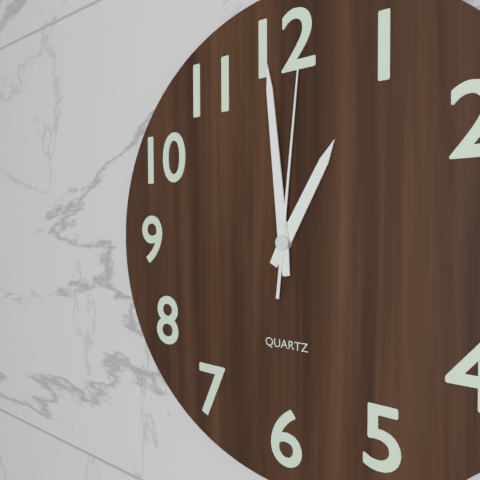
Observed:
12:59:01
